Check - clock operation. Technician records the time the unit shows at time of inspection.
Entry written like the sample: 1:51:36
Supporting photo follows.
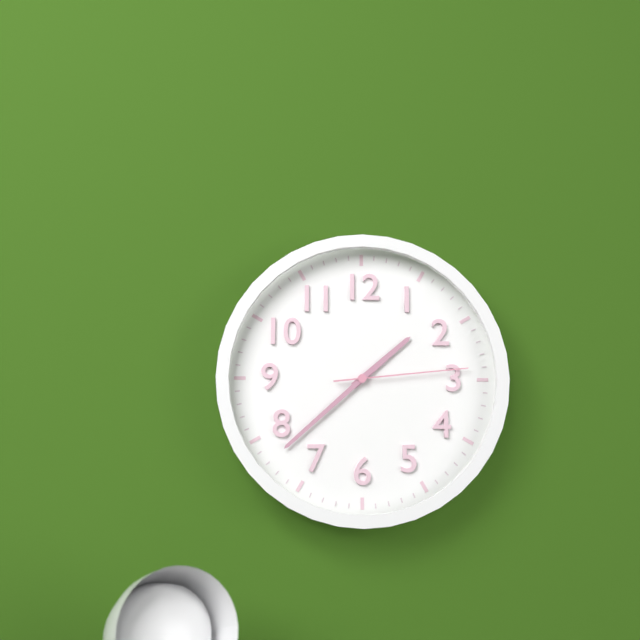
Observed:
1:38:14
